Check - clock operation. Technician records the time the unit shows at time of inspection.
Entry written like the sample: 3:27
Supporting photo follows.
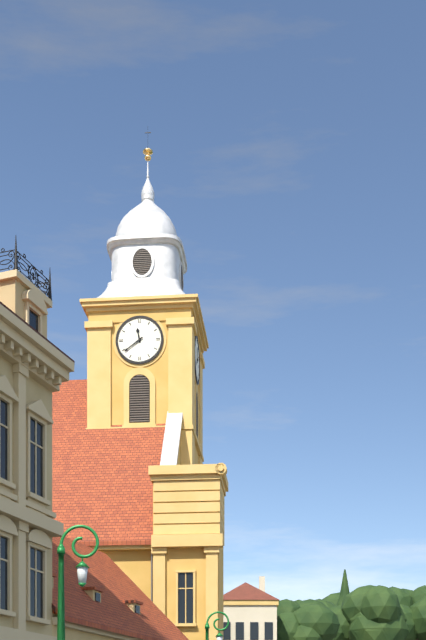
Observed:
11:39
